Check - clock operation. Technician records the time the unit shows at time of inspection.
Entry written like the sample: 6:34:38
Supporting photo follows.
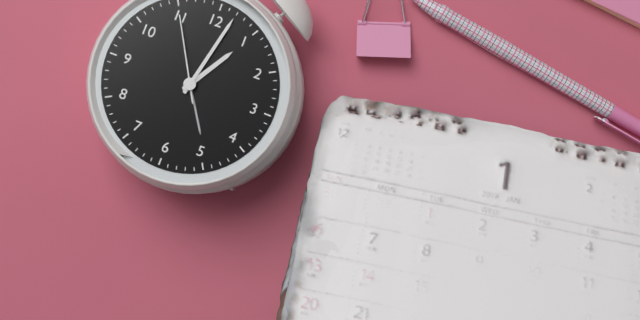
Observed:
1:02:55
